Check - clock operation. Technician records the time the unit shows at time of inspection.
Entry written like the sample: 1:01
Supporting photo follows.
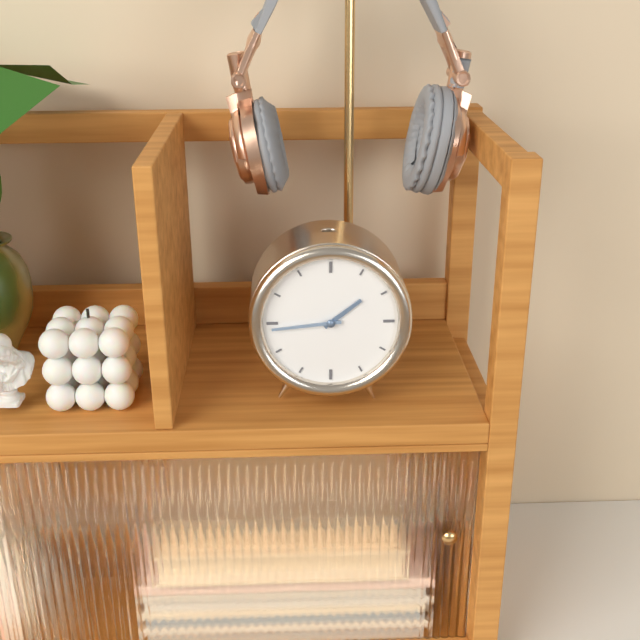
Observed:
1:44
